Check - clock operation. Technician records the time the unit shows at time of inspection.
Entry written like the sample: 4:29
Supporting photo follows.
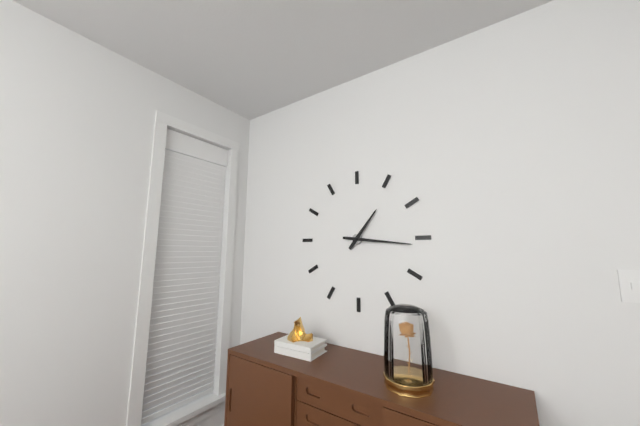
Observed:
1:16
